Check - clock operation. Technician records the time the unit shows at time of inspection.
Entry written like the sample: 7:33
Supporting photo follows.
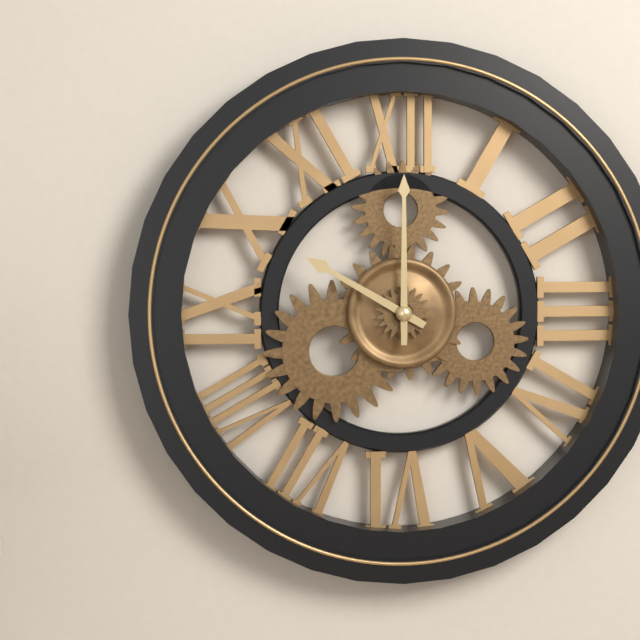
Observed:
10:00
